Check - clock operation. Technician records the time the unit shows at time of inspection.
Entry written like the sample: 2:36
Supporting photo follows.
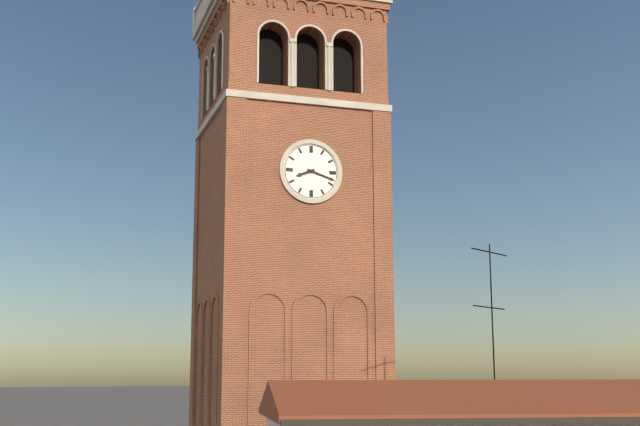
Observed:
8:18
